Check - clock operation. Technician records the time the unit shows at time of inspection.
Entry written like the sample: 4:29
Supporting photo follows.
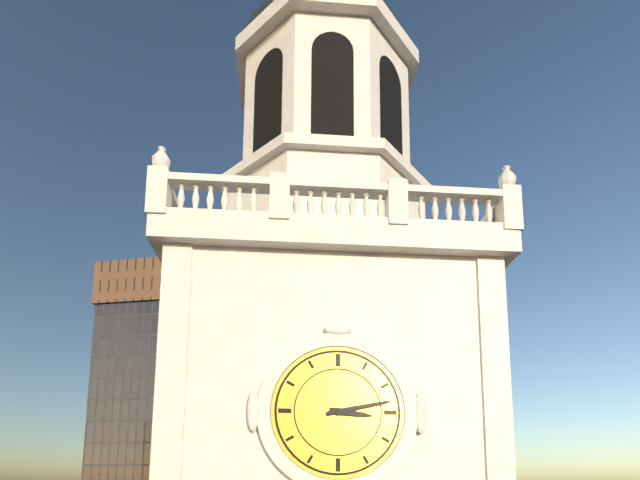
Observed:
3:13
